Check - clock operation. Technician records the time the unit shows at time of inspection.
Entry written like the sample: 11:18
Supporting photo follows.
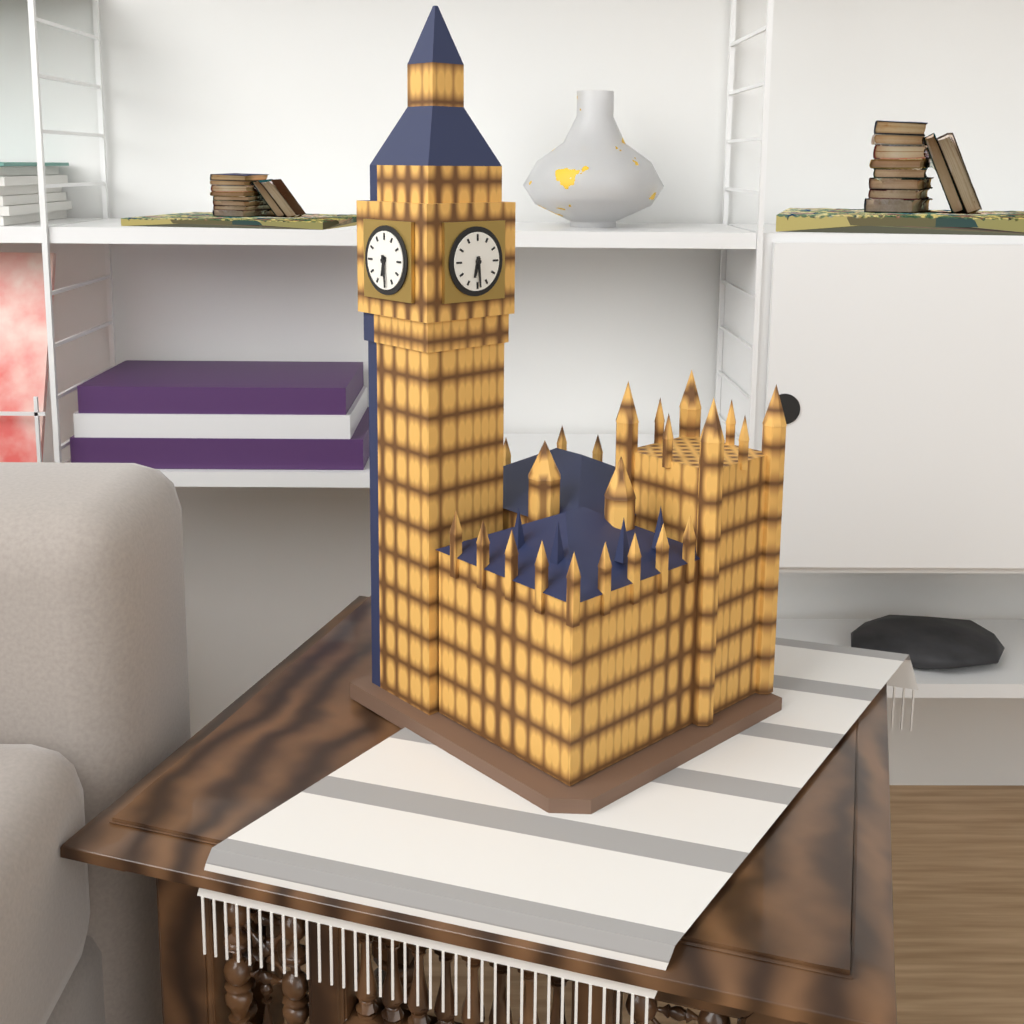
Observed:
6:29
